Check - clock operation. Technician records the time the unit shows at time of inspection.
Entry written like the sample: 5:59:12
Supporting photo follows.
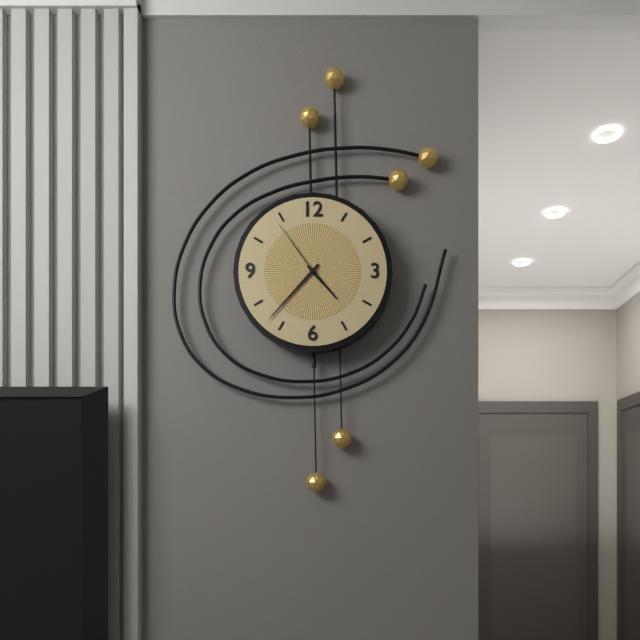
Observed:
4:37:54
